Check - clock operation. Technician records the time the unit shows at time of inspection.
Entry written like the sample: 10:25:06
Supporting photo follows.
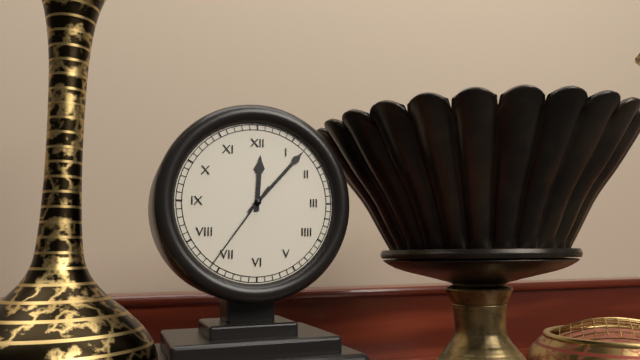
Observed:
12:07:36
